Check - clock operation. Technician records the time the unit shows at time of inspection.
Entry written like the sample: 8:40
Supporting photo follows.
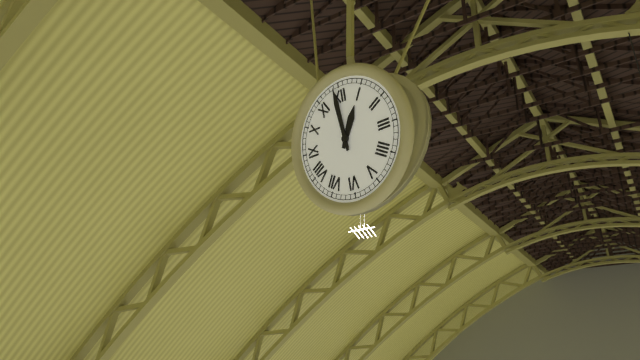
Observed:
12:59
